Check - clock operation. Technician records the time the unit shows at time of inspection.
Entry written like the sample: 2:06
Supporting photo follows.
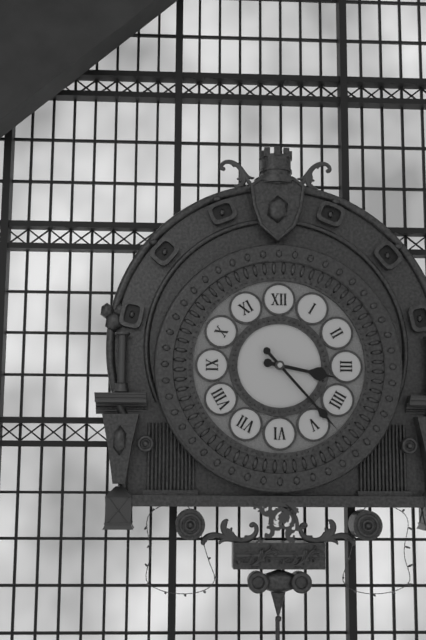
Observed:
3:23
